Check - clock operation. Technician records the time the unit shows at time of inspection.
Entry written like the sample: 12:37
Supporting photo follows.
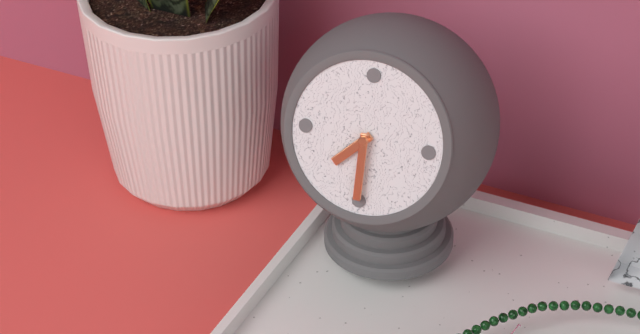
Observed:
7:30
